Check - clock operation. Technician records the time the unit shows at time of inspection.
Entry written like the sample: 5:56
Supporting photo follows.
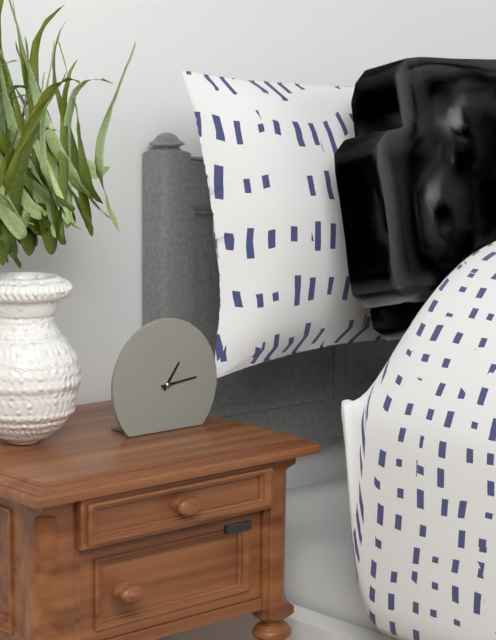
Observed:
1:14
